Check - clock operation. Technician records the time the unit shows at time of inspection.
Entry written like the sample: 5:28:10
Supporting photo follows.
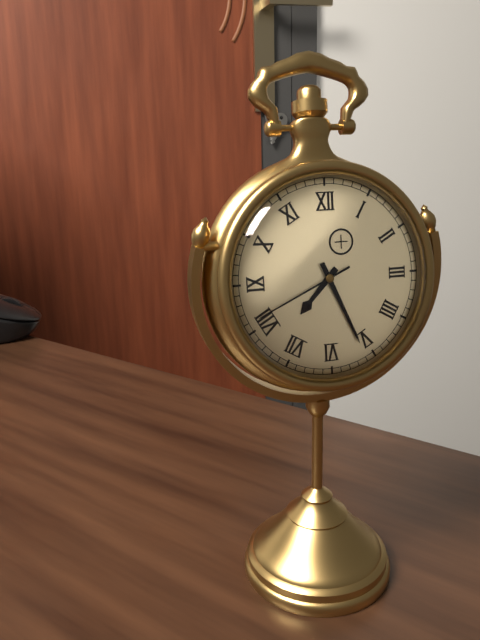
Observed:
7:26:41
